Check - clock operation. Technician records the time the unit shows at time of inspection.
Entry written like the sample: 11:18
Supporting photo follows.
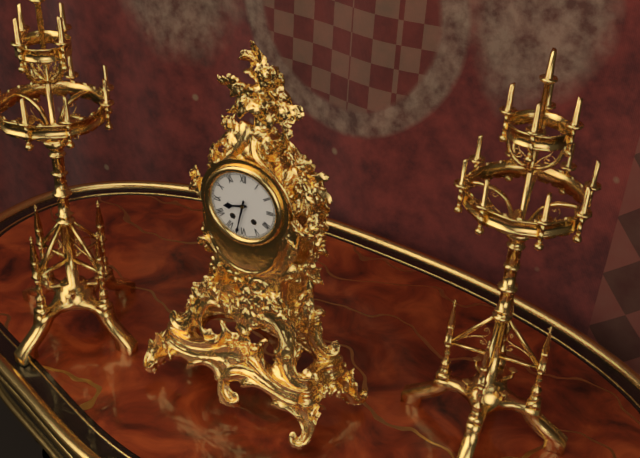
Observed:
8:32
